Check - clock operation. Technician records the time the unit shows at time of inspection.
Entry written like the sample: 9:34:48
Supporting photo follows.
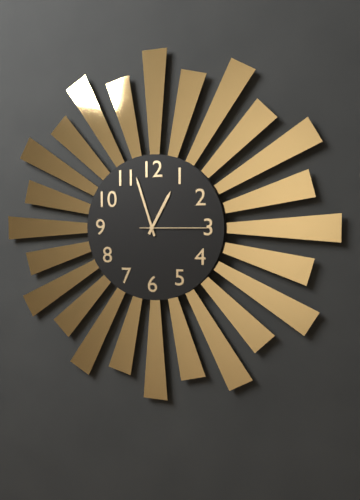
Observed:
12:57:15
